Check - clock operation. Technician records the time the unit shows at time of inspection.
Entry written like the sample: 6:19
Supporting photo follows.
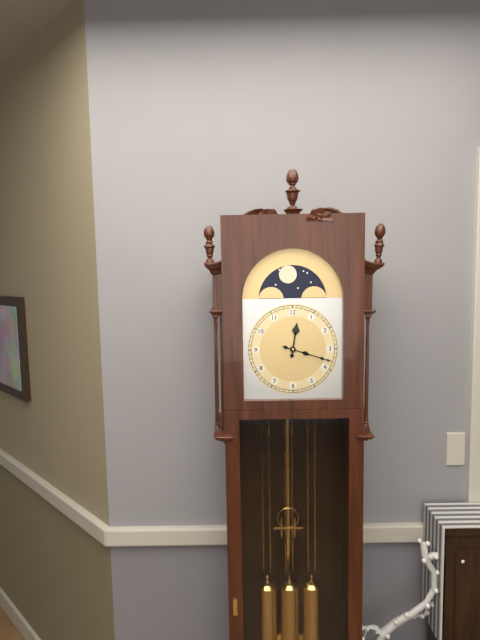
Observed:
12:18
